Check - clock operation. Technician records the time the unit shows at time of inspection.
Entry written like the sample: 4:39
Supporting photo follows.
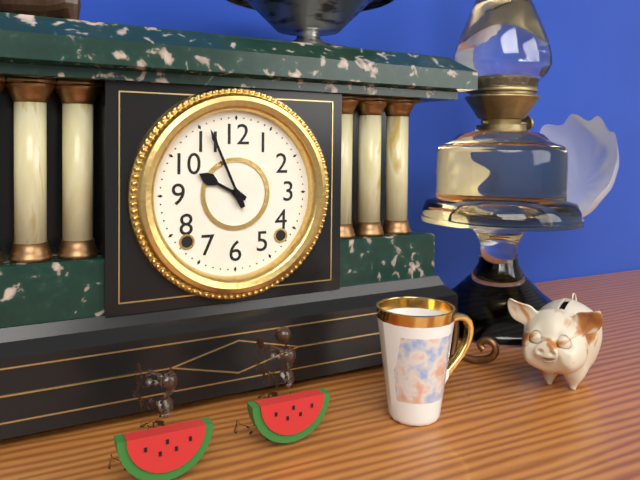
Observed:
9:56
